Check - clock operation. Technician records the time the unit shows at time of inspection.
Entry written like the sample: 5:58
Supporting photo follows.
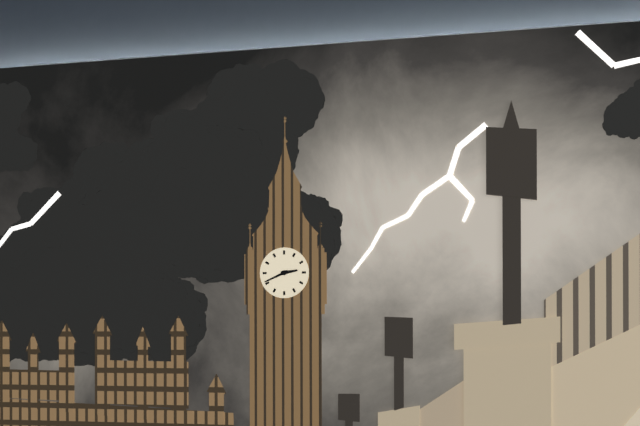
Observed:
2:41
